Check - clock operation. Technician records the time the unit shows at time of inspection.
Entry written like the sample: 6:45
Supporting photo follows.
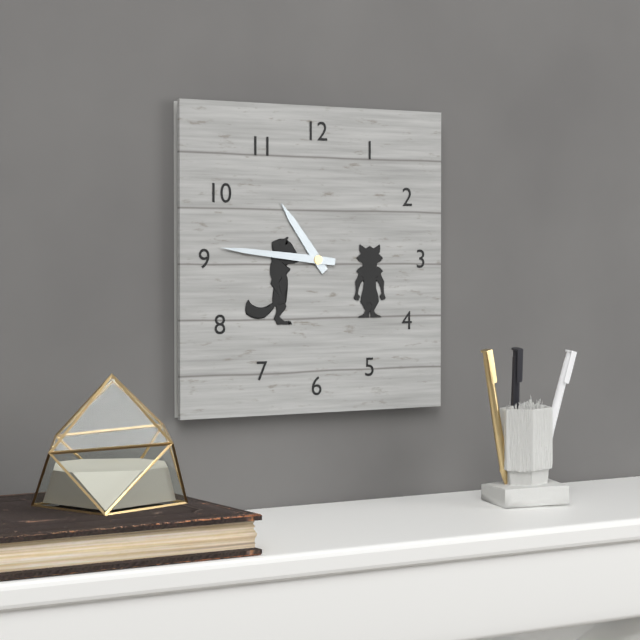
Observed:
10:46
